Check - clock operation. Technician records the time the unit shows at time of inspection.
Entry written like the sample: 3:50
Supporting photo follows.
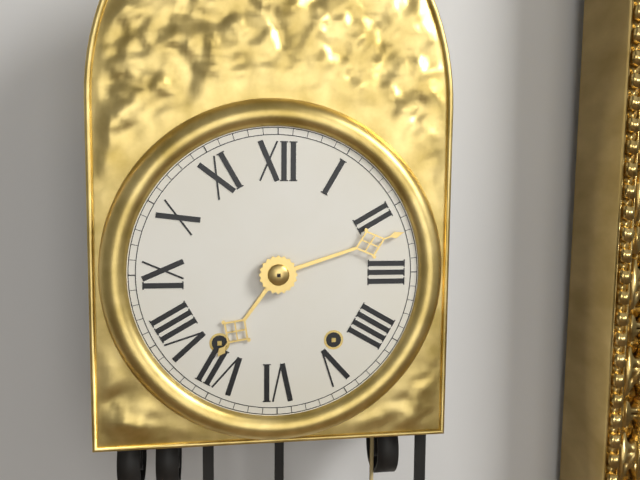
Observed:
7:12
